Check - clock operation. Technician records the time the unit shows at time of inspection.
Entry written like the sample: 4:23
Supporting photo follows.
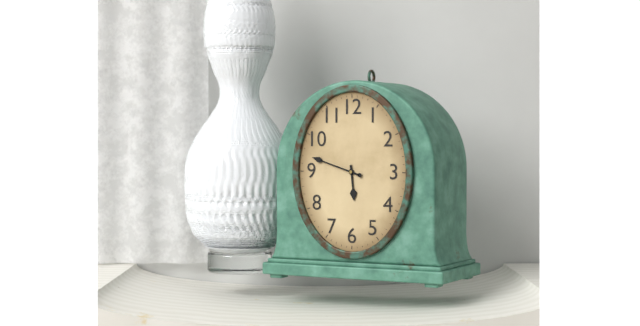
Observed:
5:48
